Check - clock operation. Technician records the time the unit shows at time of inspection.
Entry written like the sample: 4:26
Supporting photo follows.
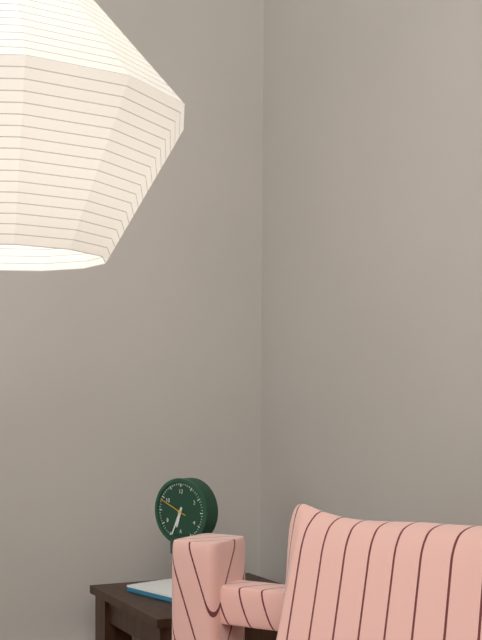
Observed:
6:34
